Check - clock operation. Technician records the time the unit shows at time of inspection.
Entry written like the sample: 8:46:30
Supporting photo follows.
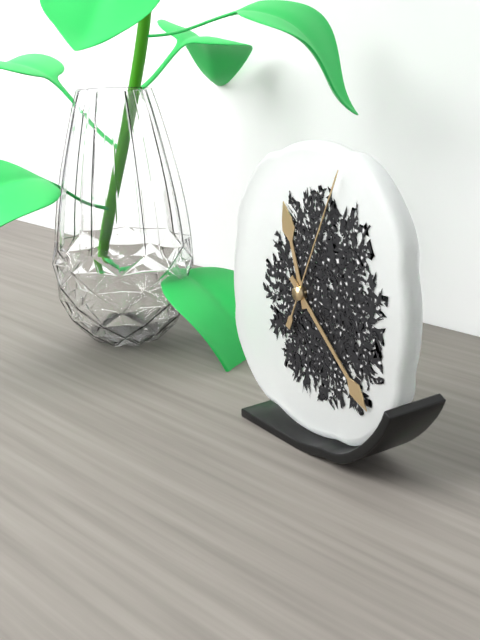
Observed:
11:22:04
